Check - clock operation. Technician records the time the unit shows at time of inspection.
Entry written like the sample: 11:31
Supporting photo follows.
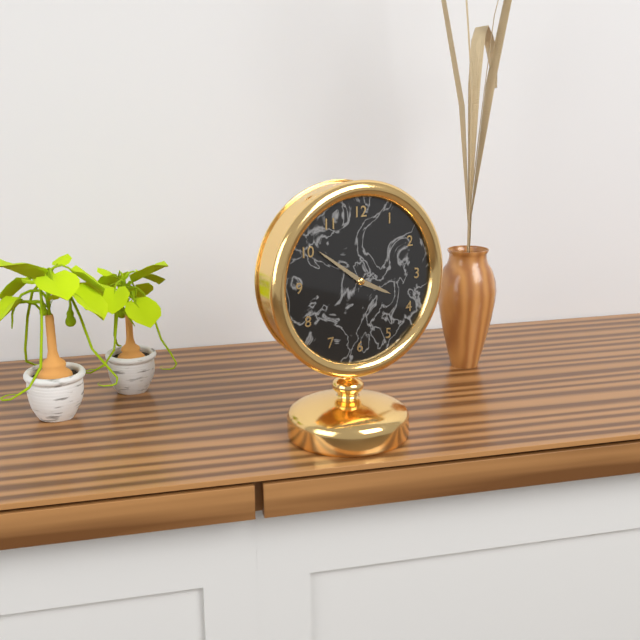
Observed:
3:51
